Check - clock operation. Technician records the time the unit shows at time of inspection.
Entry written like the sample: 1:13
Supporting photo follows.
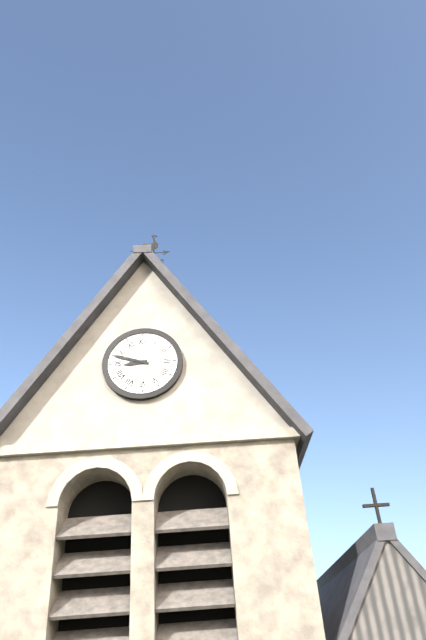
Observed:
8:48
